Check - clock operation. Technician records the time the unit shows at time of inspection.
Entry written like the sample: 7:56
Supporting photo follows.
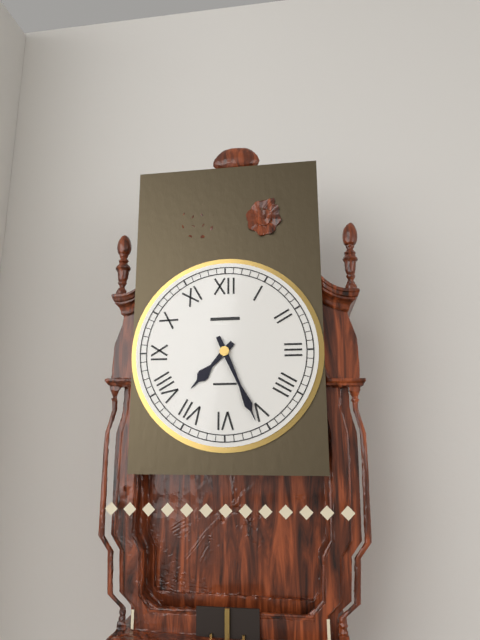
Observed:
7:26
